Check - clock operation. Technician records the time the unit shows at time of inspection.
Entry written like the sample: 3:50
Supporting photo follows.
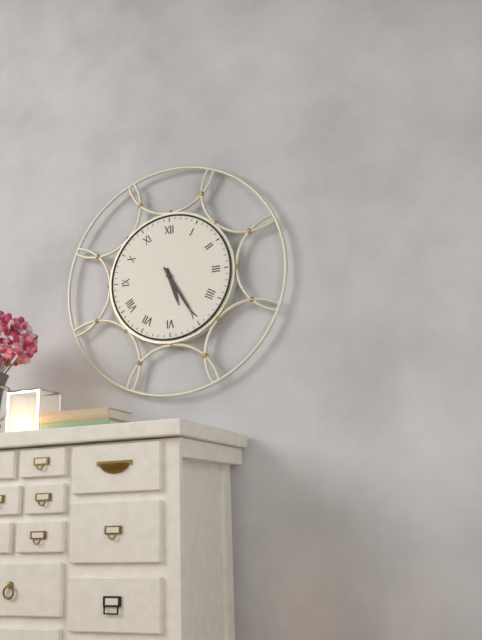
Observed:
5:25
